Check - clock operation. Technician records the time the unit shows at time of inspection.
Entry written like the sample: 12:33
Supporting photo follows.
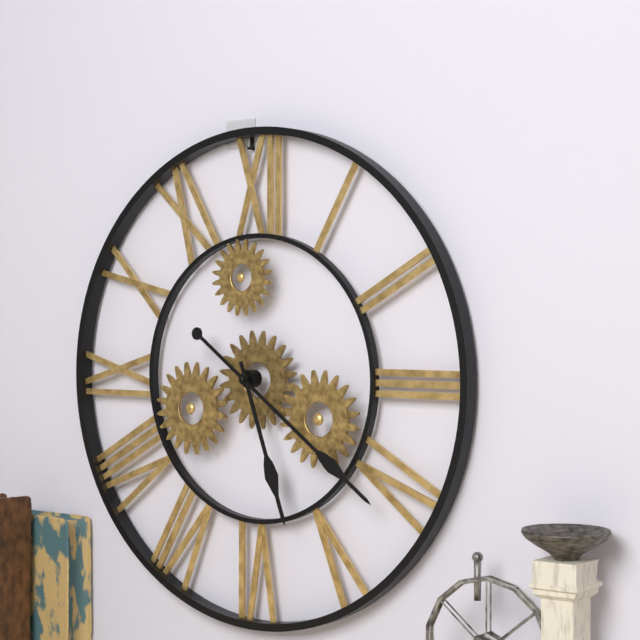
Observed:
5:21
